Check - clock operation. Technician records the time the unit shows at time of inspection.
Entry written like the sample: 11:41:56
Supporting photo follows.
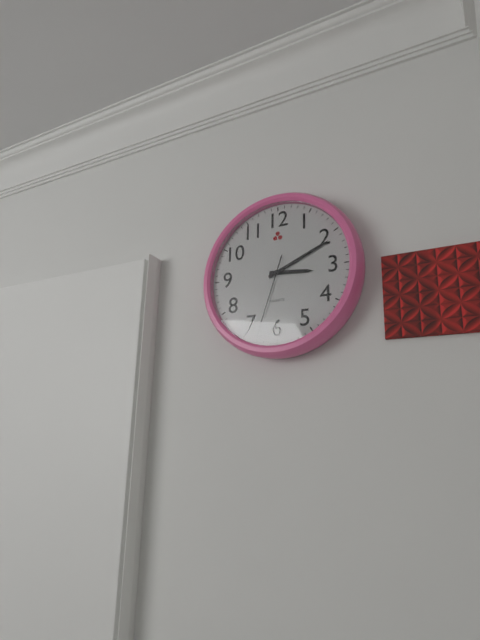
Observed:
3:11:33
